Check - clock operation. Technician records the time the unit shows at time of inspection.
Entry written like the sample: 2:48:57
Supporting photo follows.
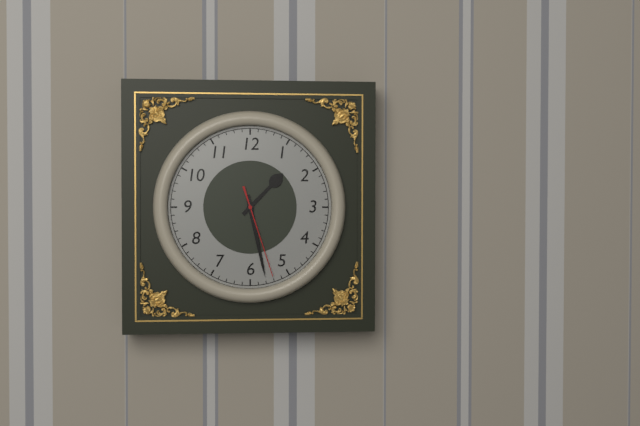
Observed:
1:28:27
